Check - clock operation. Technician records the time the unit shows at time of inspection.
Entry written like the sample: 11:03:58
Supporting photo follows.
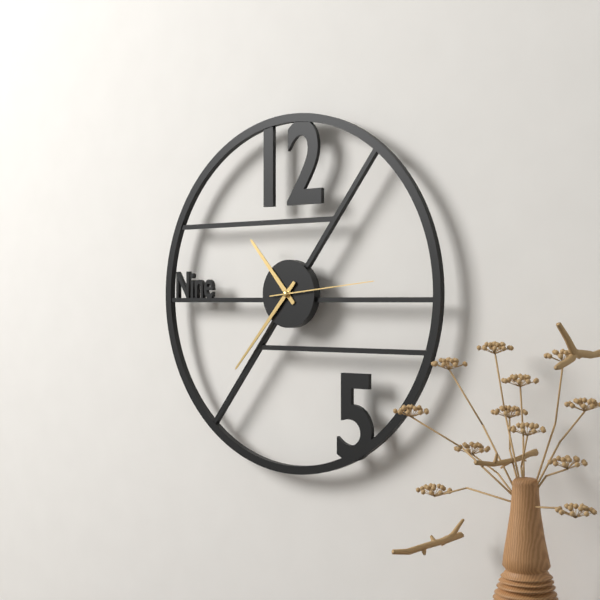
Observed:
10:37:14
